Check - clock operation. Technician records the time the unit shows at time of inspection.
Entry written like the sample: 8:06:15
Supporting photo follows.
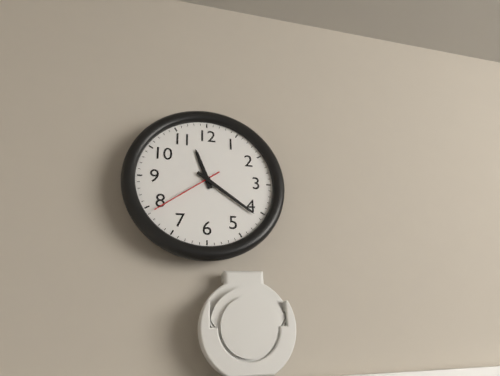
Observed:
11:21:39
